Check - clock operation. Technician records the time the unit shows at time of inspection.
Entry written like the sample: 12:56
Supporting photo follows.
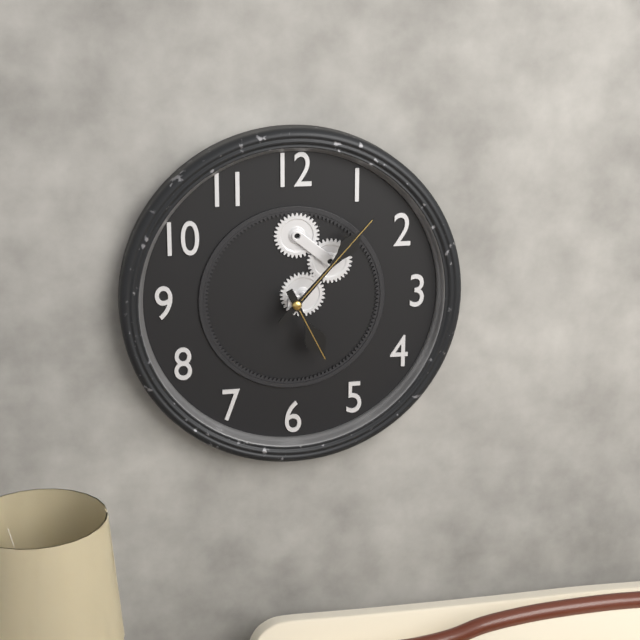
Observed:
5:07
